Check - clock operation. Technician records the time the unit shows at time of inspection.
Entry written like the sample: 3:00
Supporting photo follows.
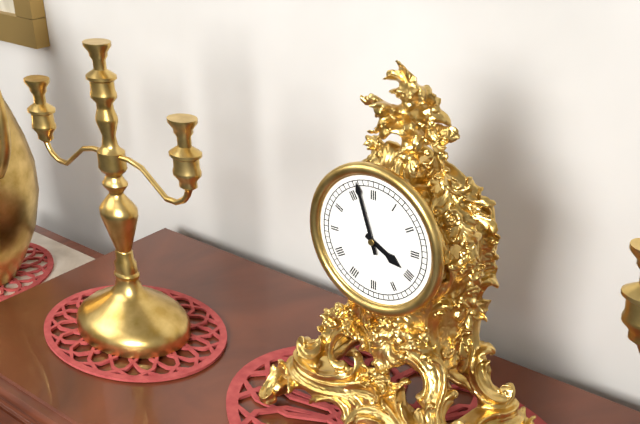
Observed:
3:57
